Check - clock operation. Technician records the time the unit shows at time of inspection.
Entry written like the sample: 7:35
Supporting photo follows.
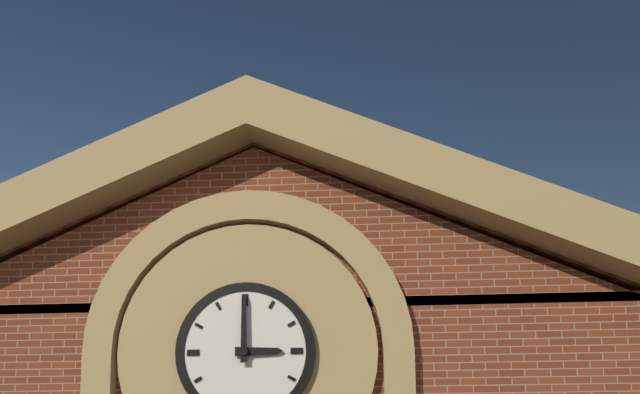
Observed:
3:00
